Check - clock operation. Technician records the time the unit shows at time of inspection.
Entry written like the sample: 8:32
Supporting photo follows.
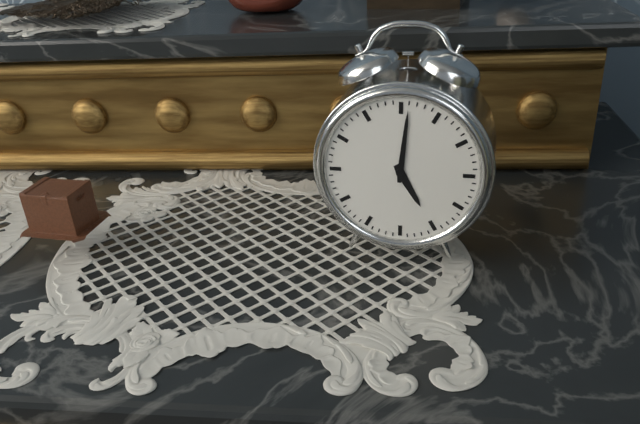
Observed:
5:01
